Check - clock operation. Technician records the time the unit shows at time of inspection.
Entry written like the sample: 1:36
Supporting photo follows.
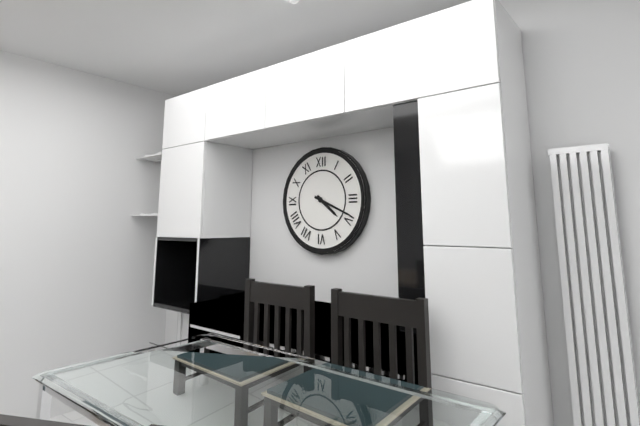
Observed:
4:19
